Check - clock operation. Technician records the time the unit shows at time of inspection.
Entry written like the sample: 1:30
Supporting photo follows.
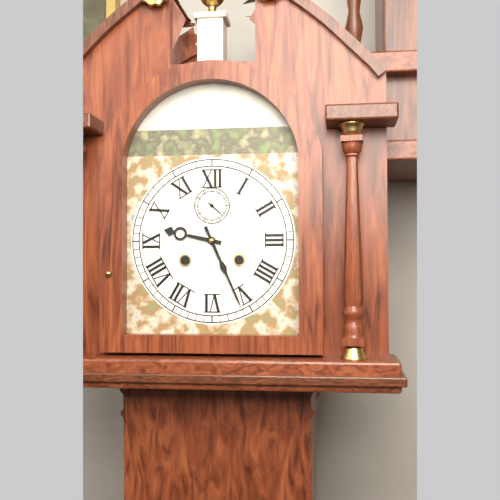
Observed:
9:26
